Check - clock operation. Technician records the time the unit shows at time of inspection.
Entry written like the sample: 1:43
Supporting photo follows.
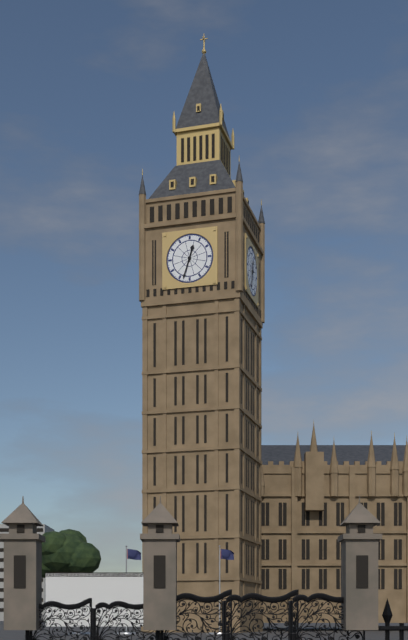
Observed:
12:33
